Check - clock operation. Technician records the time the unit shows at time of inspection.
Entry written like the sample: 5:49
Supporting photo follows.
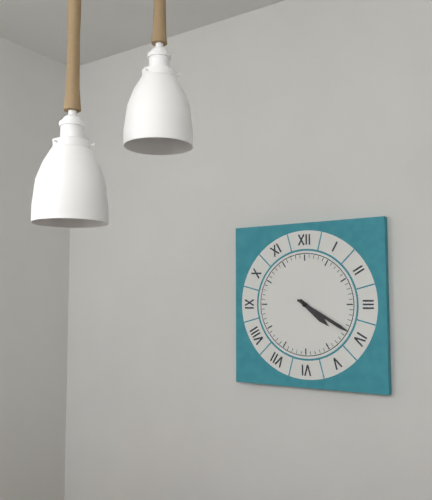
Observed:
4:20
